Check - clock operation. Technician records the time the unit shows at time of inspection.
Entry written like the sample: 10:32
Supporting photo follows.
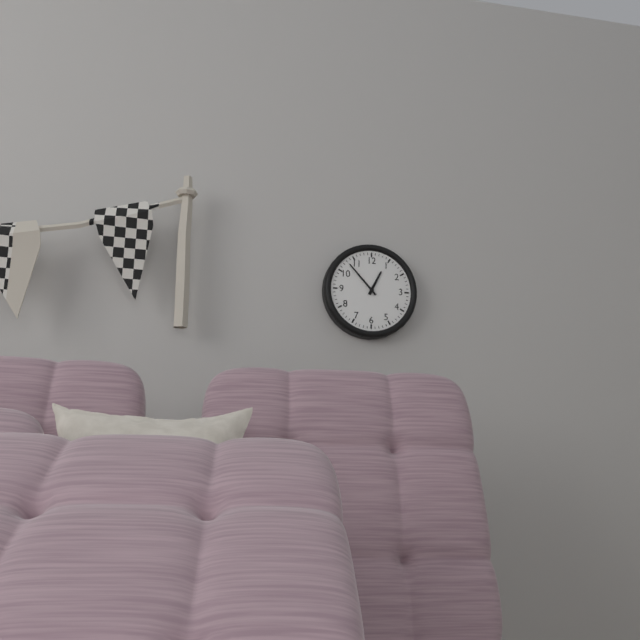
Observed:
12:53
